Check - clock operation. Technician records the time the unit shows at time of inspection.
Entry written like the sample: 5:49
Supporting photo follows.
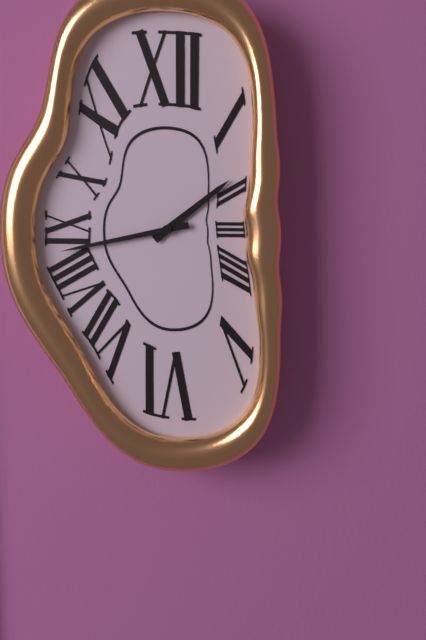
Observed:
1:43
